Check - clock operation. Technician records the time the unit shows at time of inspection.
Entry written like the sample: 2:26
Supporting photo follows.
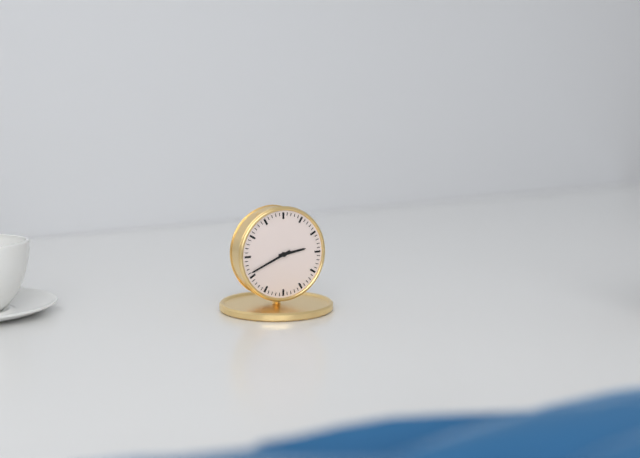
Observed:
2:41
